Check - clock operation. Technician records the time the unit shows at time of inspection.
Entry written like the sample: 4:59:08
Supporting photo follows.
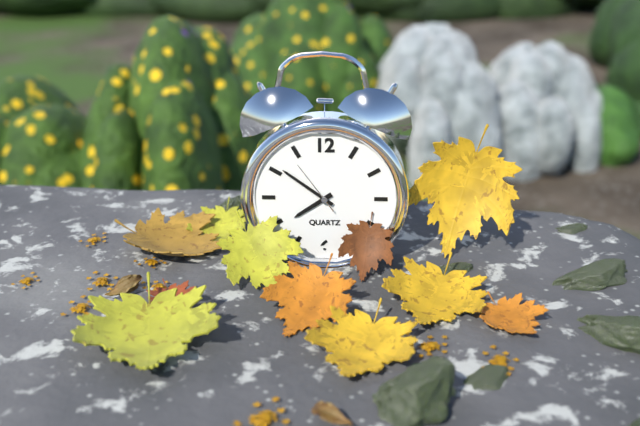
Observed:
7:51:54
